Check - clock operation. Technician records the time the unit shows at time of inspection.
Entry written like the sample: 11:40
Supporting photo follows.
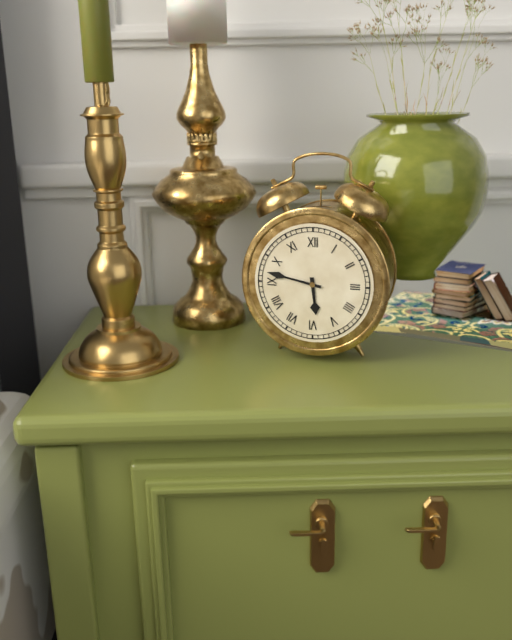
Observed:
5:47
